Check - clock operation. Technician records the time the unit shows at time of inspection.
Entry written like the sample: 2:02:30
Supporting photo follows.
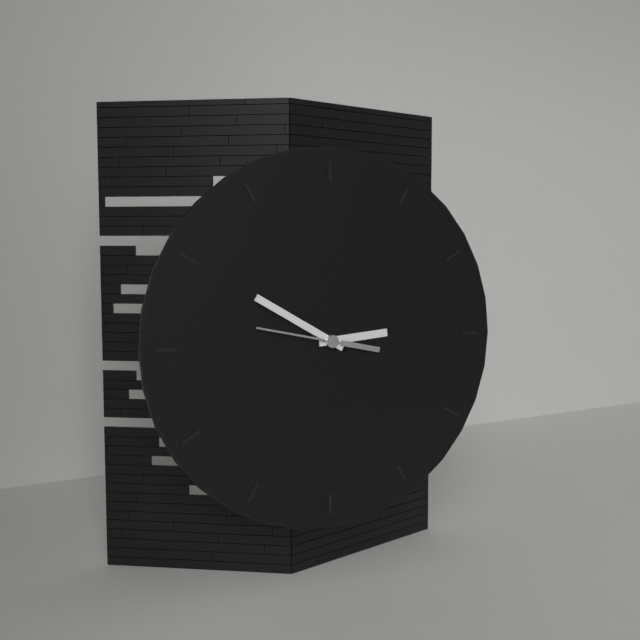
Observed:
2:50:47
